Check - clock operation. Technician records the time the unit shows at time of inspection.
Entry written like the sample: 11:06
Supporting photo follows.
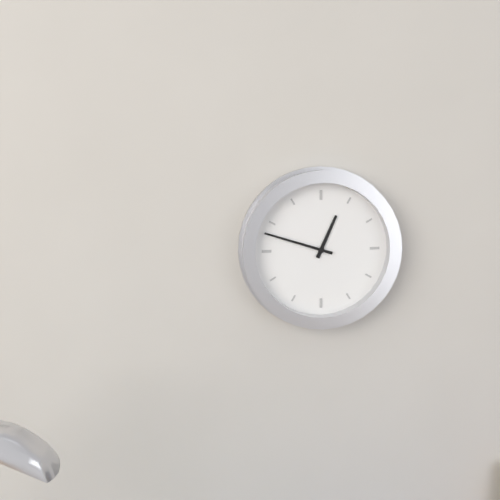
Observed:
12:48
